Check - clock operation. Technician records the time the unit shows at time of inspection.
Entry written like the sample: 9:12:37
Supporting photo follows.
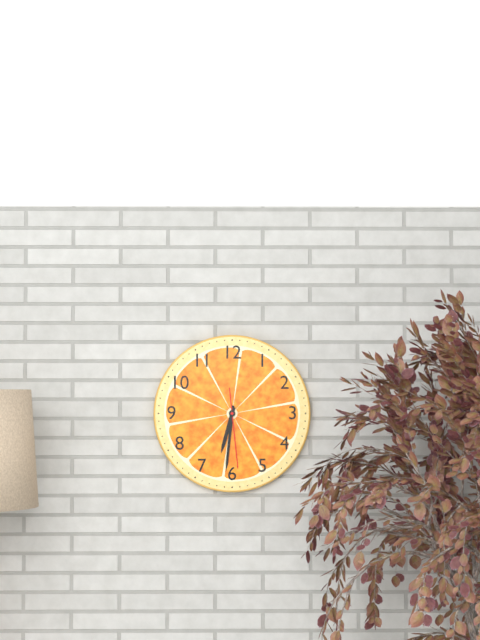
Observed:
6:31:29
